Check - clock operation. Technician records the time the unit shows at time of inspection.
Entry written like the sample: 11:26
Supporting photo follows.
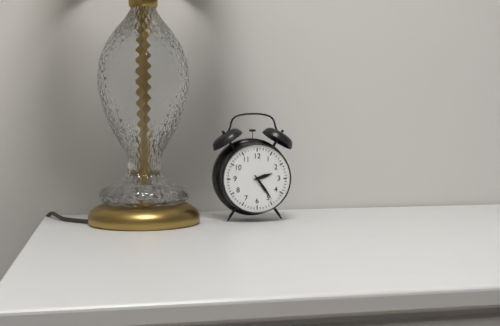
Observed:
2:24
